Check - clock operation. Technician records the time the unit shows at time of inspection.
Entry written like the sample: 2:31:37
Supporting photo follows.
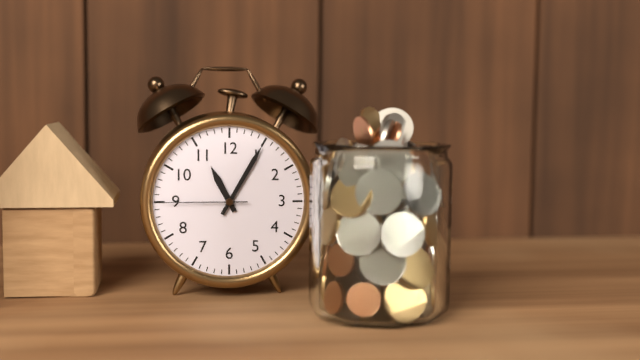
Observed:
11:05:45
